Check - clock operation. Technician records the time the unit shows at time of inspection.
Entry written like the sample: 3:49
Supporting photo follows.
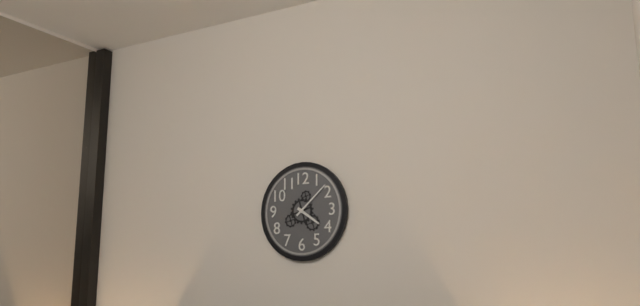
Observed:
4:08
